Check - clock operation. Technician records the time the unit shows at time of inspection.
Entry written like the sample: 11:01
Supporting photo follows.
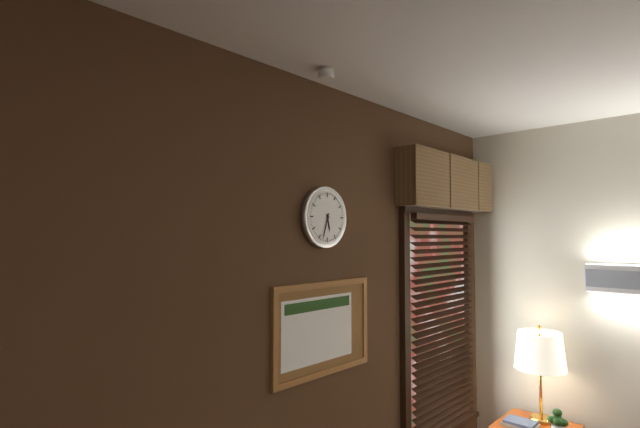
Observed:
5:33
